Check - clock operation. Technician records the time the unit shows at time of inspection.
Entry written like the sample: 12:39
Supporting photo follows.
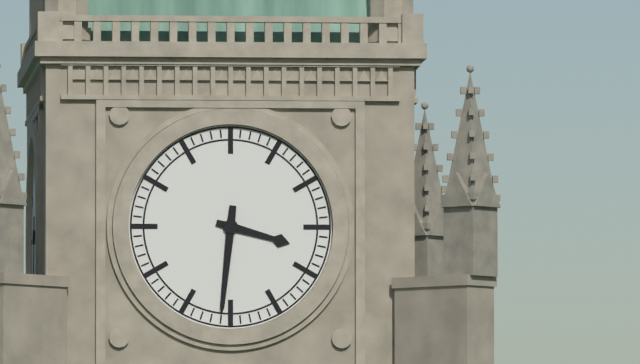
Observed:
3:31
